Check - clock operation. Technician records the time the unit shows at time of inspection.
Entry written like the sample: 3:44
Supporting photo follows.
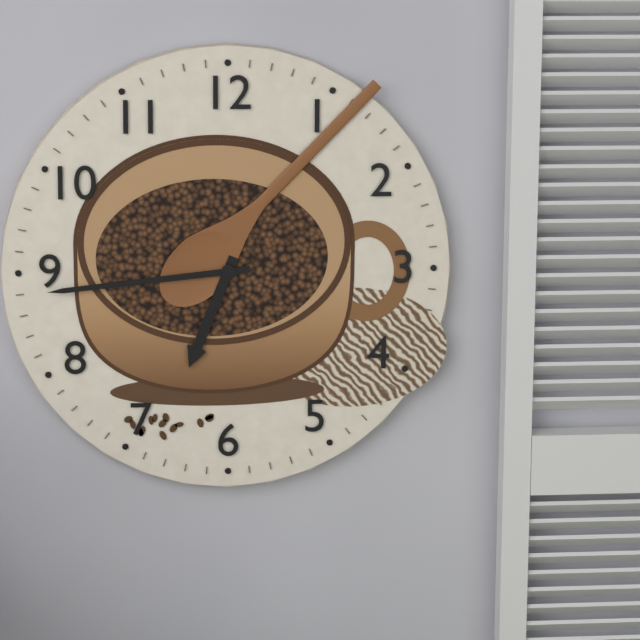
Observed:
6:44
